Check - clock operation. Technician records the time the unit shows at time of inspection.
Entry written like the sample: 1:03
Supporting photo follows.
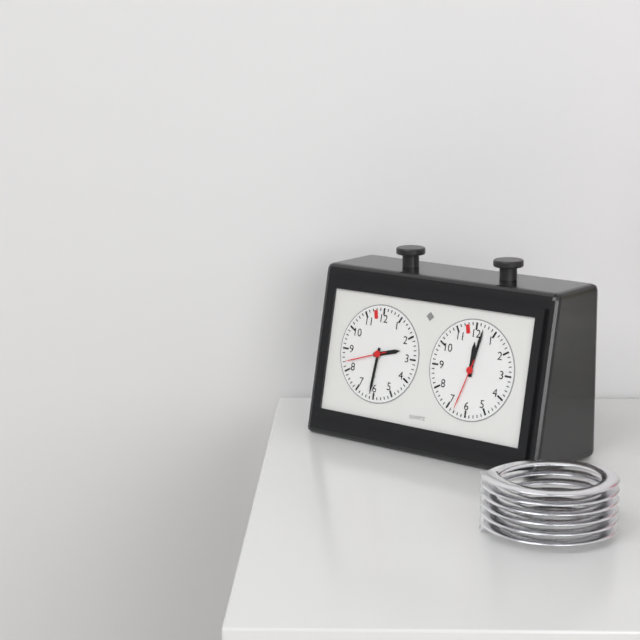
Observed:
2:31
